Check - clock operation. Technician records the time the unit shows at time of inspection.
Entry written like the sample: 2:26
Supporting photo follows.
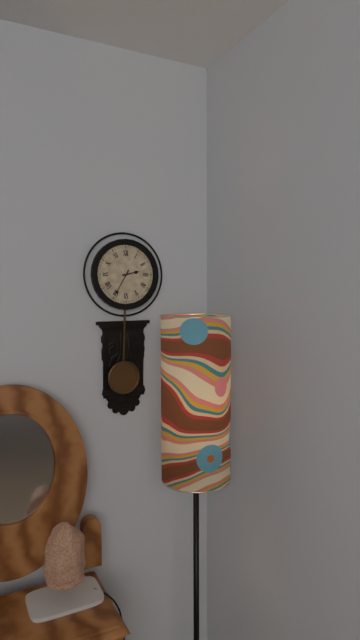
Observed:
2:35
